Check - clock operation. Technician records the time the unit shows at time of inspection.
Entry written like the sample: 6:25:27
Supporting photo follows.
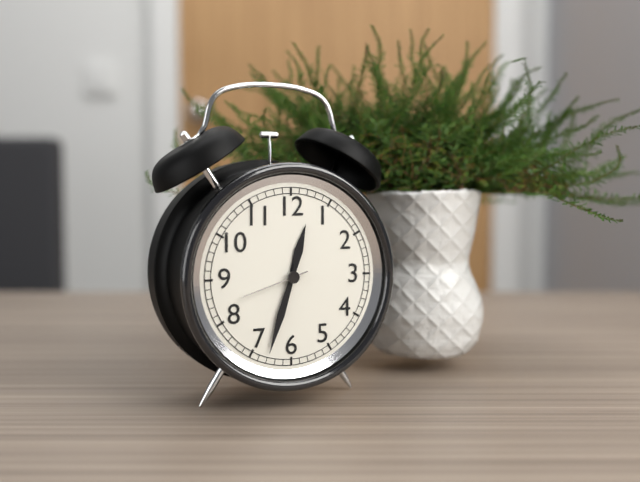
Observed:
12:33:42
